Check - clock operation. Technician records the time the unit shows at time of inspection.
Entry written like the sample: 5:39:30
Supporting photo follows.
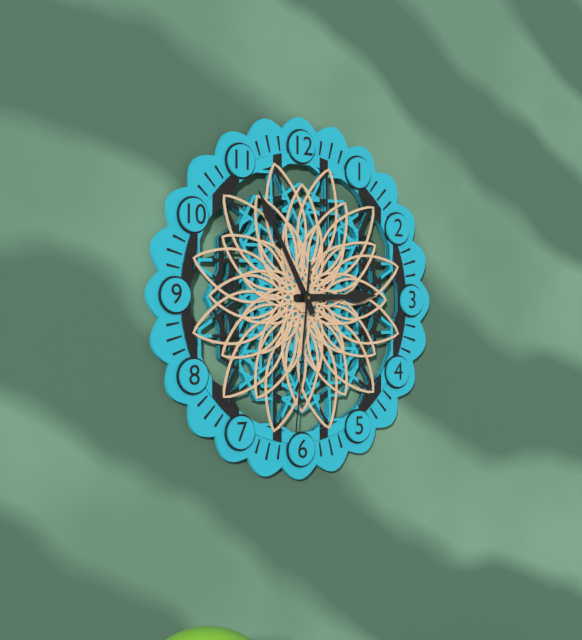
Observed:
2:55:31
